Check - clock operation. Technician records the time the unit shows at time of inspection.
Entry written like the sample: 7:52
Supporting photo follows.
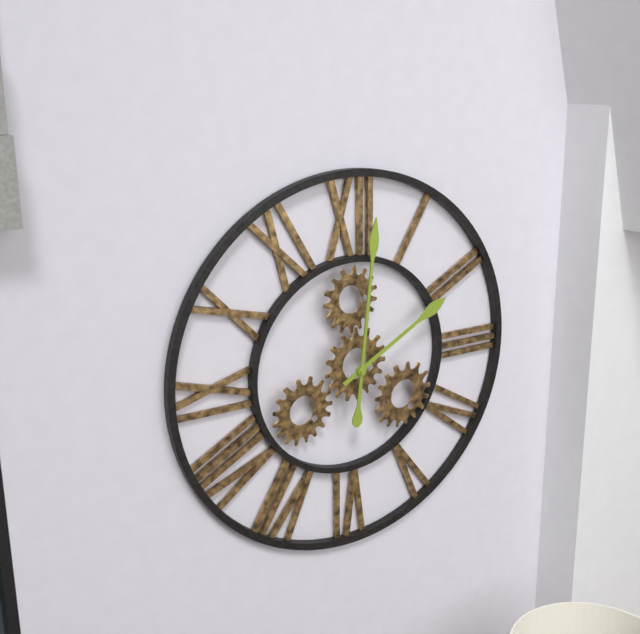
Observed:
2:01
